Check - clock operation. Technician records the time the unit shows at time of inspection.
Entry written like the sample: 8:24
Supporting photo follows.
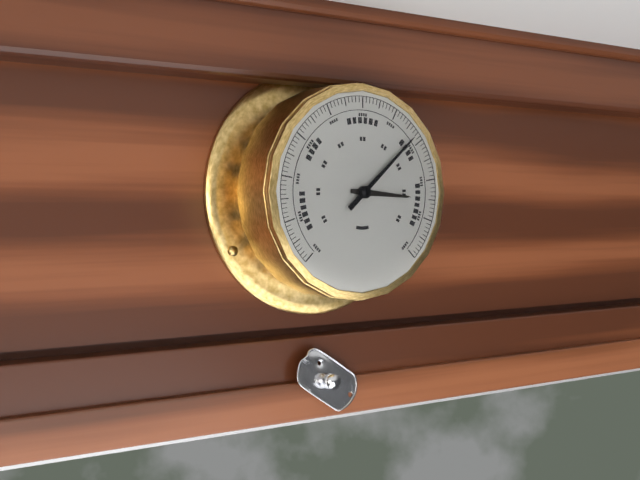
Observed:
3:08
